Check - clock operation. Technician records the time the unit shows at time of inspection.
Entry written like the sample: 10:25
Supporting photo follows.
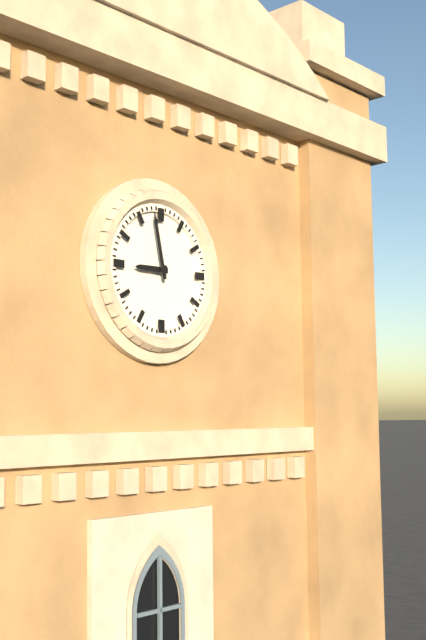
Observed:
8:58
